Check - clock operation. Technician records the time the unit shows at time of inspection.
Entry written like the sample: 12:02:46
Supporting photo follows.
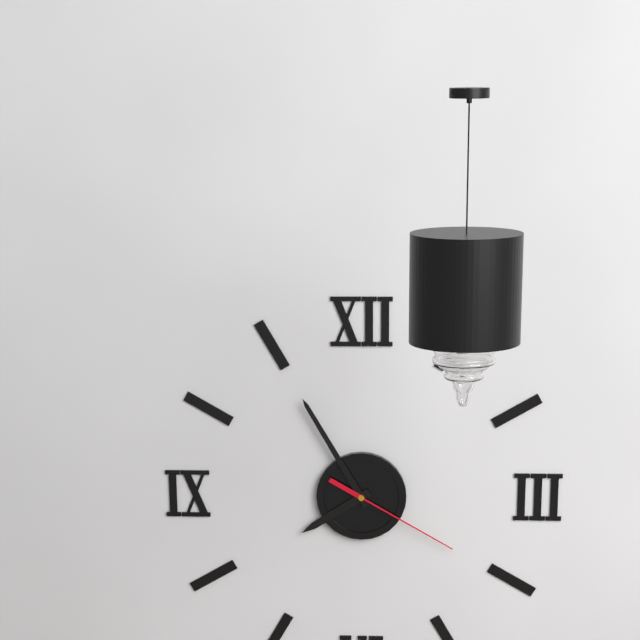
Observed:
7:55:20
